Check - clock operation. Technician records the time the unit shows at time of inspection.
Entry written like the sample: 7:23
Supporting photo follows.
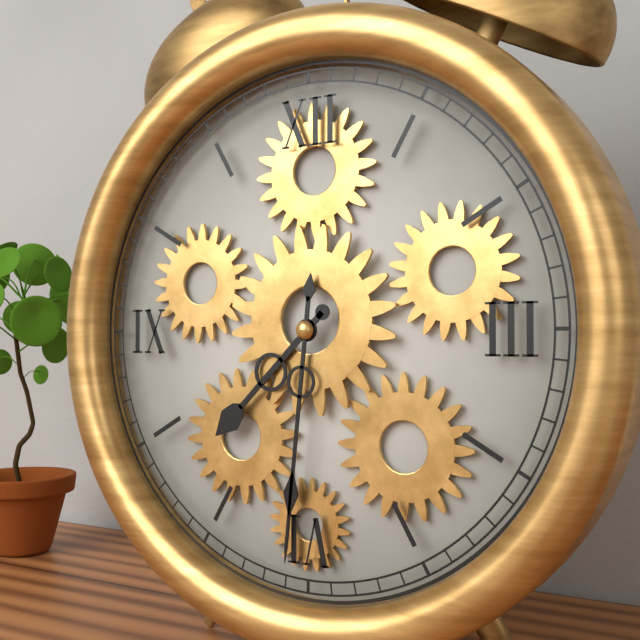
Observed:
7:31
